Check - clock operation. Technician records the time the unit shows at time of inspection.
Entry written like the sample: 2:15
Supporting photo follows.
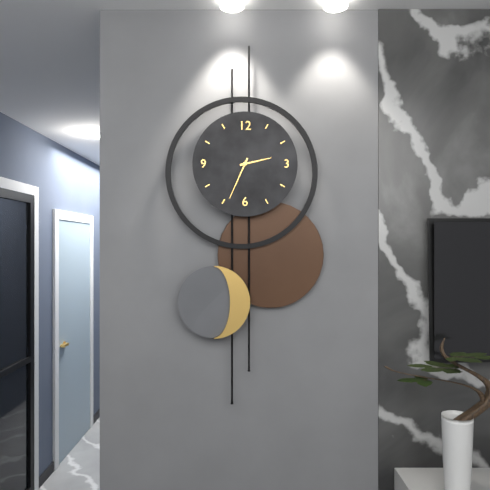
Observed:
2:34
